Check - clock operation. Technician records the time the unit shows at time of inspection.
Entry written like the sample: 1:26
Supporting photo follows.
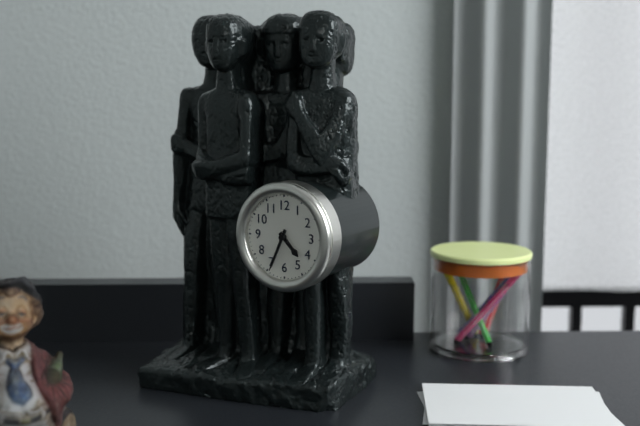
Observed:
4:34
